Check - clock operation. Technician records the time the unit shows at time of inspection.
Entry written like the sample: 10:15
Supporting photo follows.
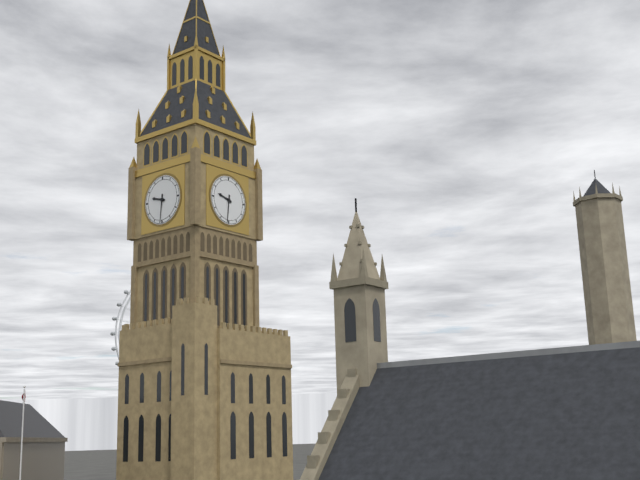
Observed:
9:31
